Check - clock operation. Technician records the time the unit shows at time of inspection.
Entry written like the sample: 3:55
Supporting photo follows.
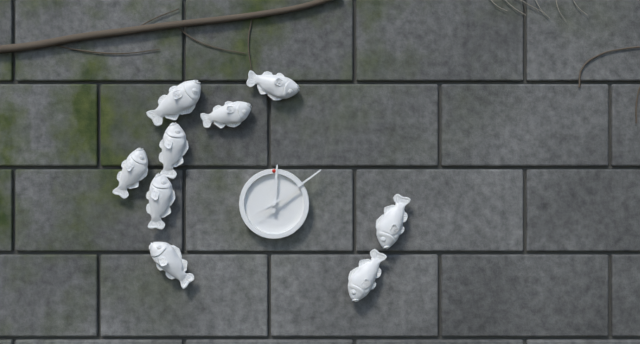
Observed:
12:09
